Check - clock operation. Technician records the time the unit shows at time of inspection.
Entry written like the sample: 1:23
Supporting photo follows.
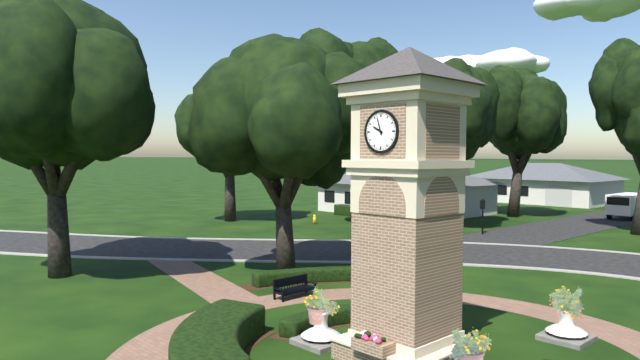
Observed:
9:57
